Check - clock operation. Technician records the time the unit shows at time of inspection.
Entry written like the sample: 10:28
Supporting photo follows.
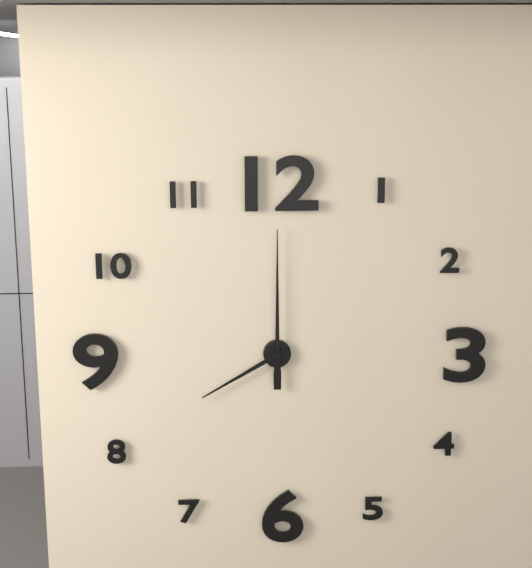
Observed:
8:00
